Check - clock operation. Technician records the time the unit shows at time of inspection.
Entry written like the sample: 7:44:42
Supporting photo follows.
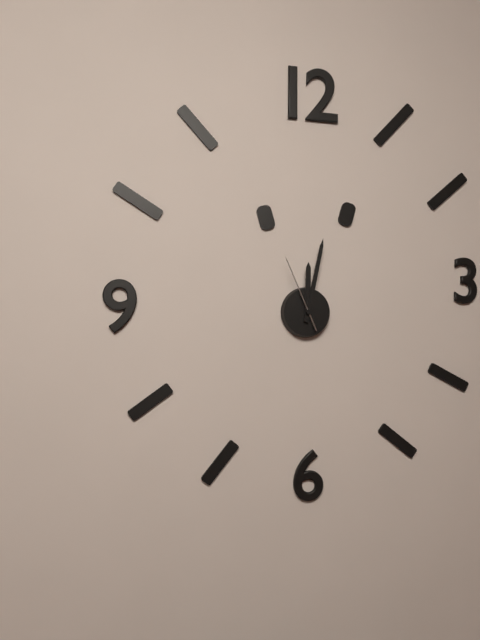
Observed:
12:02:56
